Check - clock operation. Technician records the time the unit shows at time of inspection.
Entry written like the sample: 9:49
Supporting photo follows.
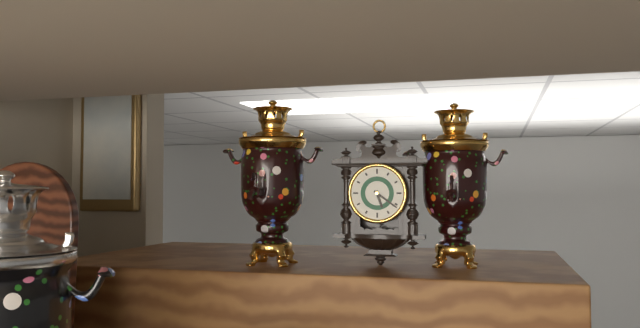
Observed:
5:21
